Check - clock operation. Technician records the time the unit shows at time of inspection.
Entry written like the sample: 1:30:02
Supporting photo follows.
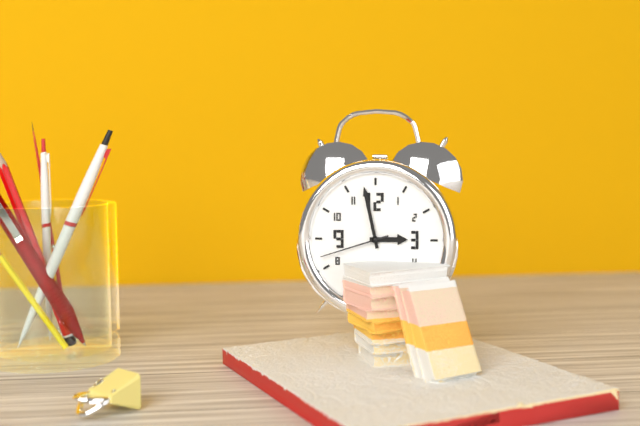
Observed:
2:58:42
